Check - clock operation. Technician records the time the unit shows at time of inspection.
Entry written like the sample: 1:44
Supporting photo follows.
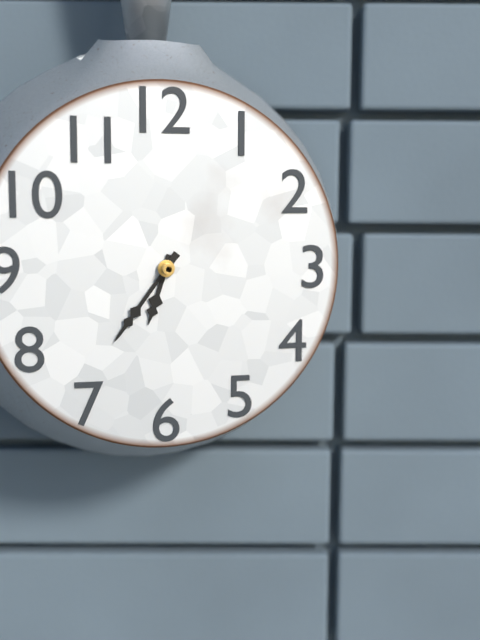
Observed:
6:36
